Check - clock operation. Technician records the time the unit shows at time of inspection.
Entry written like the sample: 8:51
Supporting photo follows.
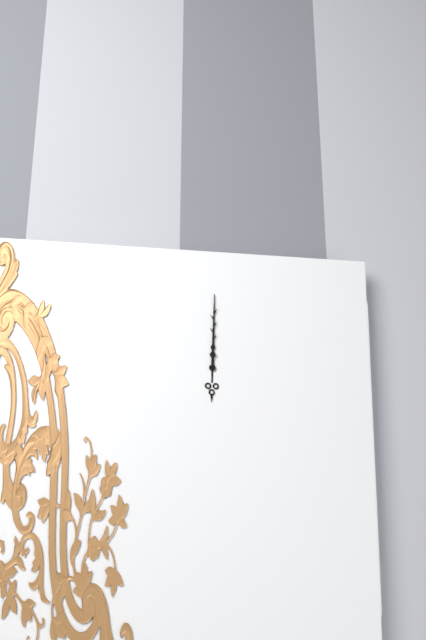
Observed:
6:00
